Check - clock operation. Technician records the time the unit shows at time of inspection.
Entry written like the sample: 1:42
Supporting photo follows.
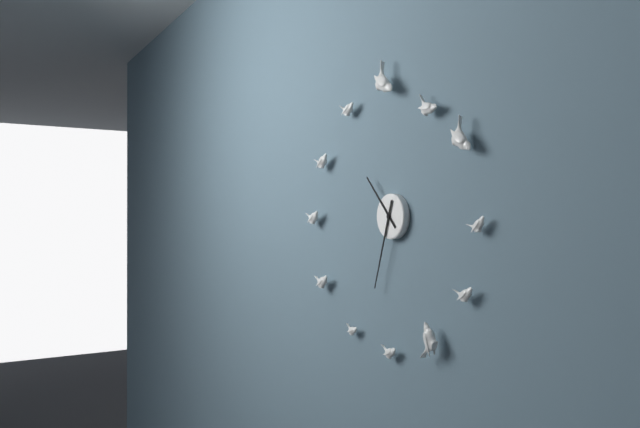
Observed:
10:33
